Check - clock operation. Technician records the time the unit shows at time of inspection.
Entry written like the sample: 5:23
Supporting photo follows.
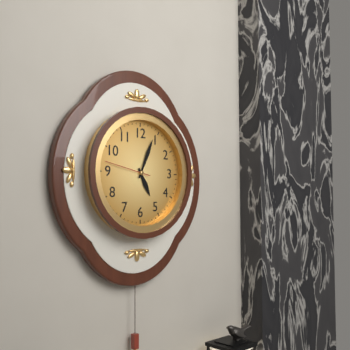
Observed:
5:04
